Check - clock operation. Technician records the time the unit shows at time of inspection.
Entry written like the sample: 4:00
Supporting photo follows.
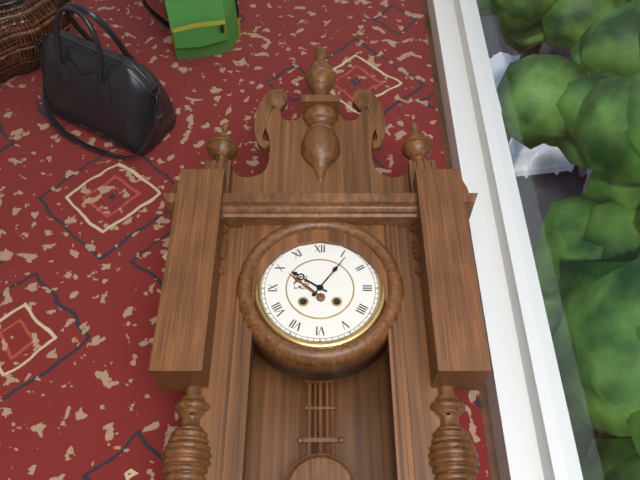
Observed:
10:06
